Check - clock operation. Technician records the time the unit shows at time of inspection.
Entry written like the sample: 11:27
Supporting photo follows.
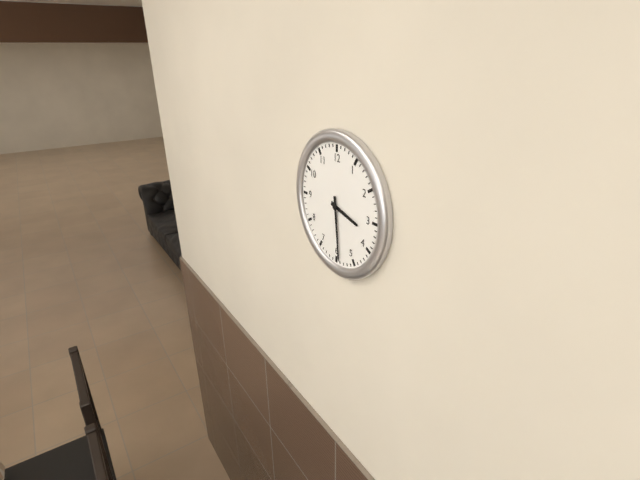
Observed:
3:29
